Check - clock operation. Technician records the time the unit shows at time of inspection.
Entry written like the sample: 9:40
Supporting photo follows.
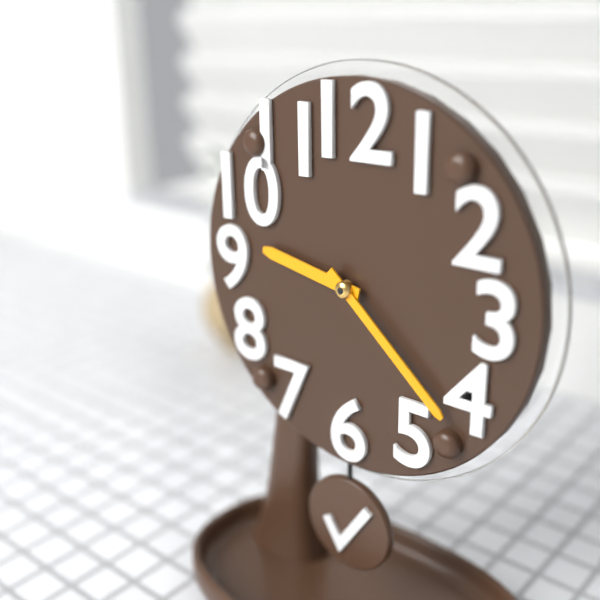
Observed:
9:22
